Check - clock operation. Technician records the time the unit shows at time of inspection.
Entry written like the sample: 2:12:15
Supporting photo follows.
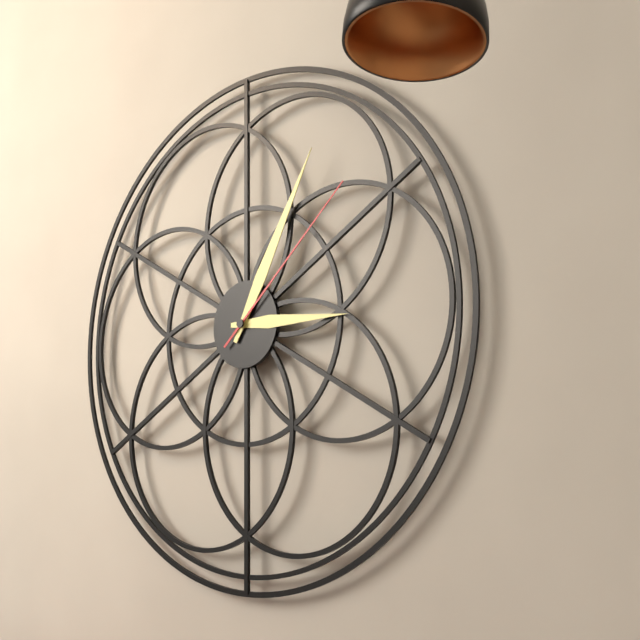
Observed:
3:05:08
